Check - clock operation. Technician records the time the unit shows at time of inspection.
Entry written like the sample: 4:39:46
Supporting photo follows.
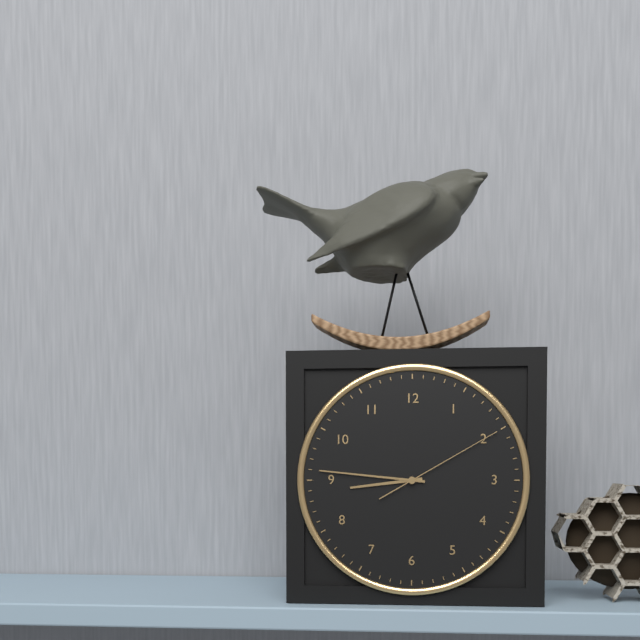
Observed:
8:46:10
